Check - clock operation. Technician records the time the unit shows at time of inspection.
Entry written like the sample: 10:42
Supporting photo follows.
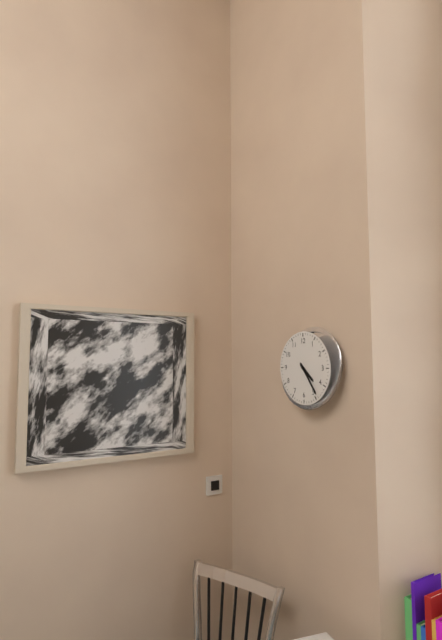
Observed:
4:24
